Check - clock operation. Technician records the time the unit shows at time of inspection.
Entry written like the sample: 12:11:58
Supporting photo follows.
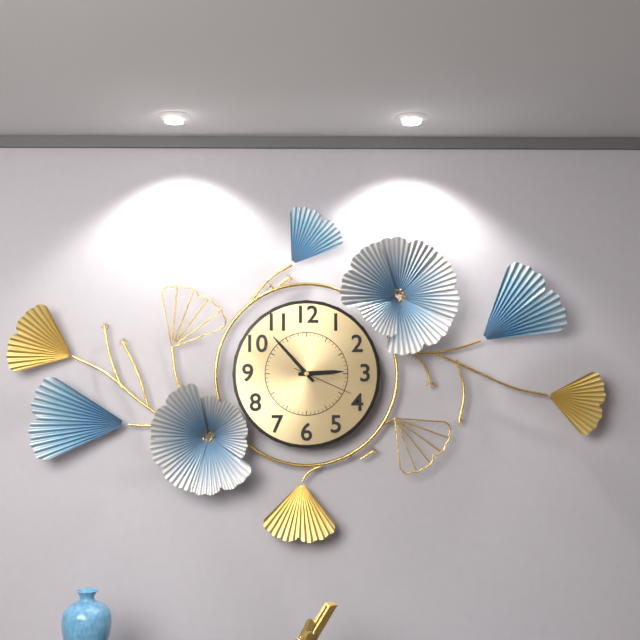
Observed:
2:53:19
